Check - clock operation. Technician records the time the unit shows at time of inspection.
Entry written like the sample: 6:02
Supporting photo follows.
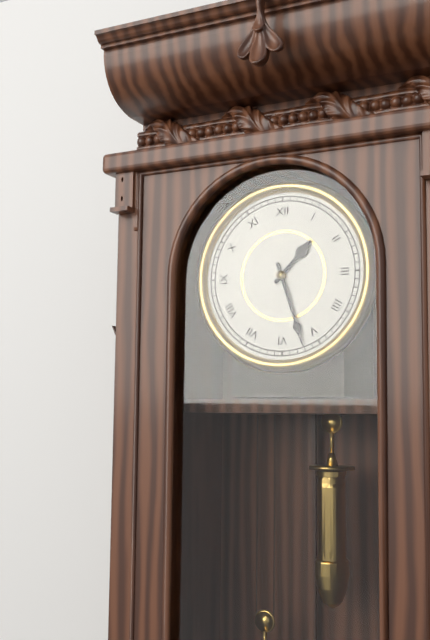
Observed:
1:27
